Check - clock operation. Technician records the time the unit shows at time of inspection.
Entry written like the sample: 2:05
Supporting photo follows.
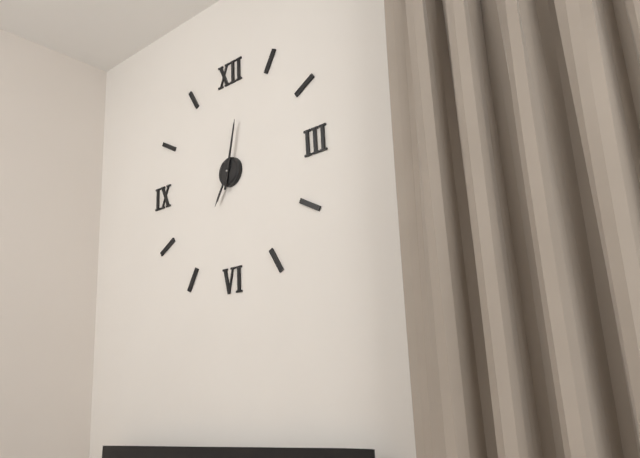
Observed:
7:02
